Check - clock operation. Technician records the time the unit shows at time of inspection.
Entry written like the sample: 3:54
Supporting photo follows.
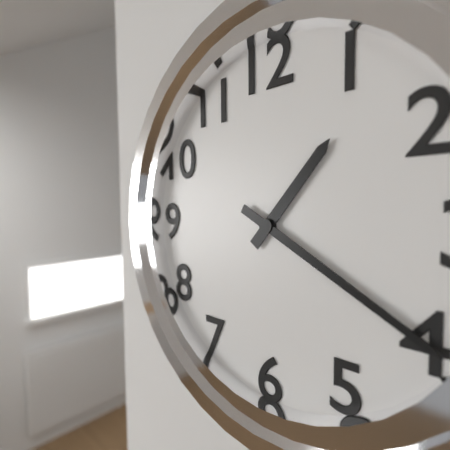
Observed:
1:20
